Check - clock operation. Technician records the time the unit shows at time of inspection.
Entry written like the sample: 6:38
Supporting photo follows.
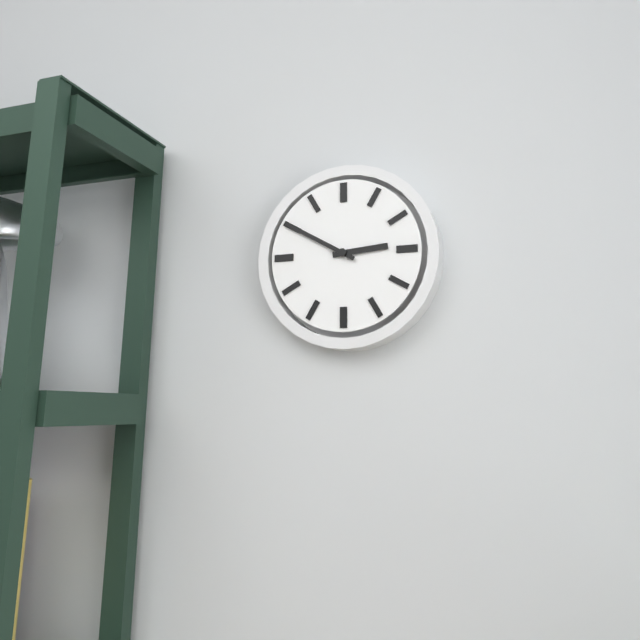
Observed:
2:50
